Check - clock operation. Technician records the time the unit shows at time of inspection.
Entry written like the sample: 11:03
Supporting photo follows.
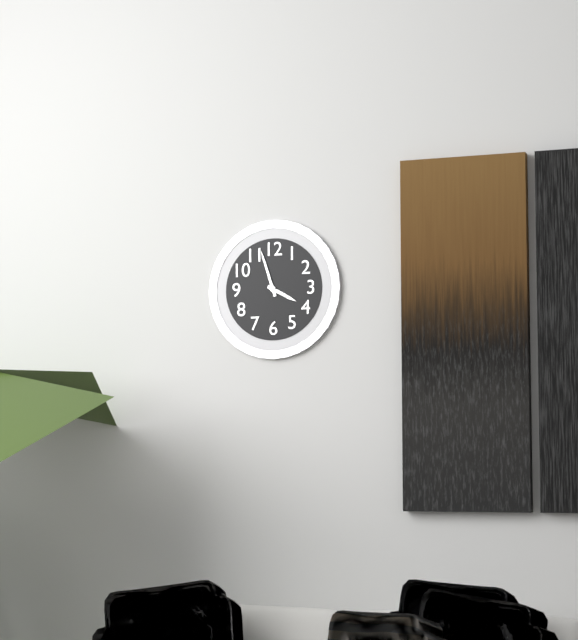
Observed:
3:57
